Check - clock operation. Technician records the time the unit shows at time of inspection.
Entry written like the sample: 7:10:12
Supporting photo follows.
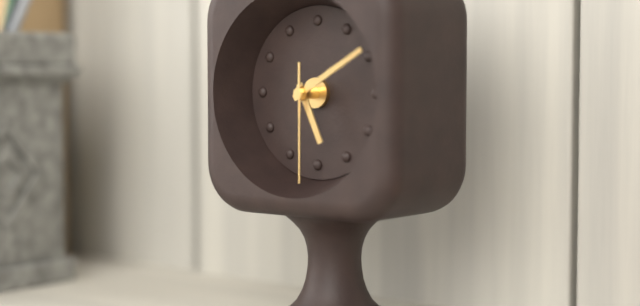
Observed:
5:10:30
